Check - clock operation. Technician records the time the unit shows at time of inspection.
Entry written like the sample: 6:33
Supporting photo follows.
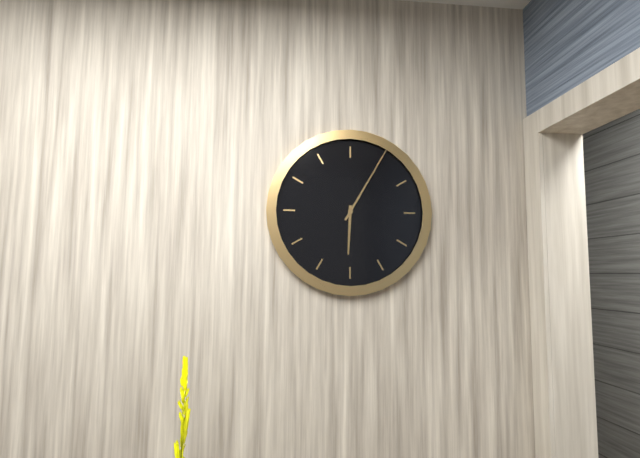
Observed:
6:05
